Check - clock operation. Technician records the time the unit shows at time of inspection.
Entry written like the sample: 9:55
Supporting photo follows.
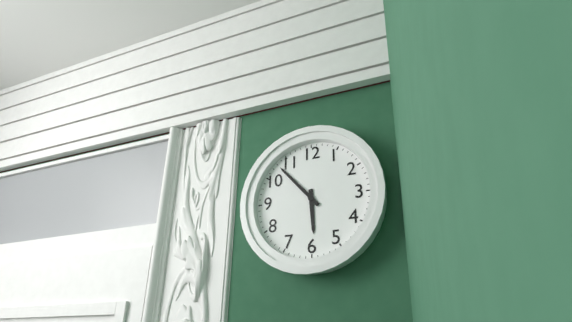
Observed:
5:53
